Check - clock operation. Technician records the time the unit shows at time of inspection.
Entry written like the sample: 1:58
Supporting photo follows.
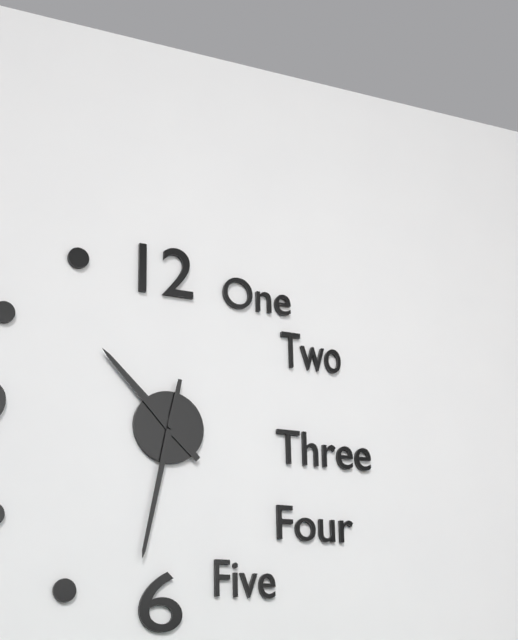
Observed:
10:32
